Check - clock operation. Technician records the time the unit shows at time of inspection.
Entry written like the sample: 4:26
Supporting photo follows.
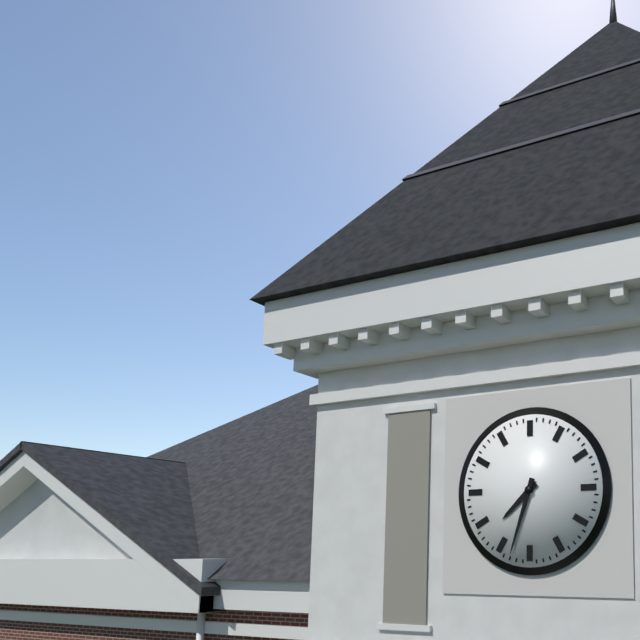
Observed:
7:33
